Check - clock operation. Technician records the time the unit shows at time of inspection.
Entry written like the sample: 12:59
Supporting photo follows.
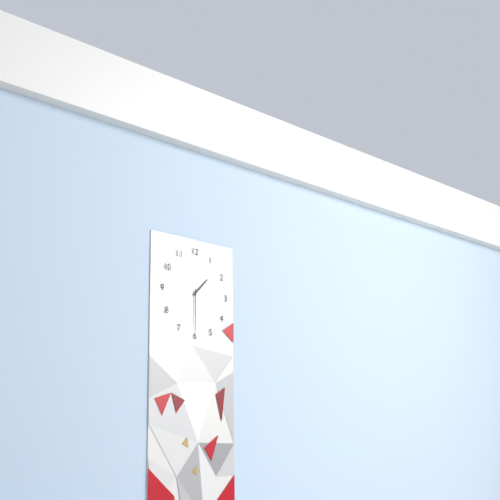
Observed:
1:30
